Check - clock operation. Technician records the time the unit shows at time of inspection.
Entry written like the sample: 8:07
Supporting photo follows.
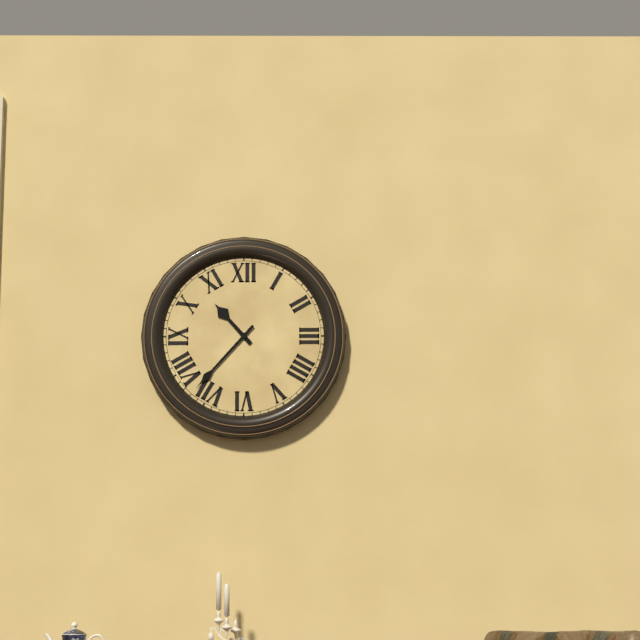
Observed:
10:37
